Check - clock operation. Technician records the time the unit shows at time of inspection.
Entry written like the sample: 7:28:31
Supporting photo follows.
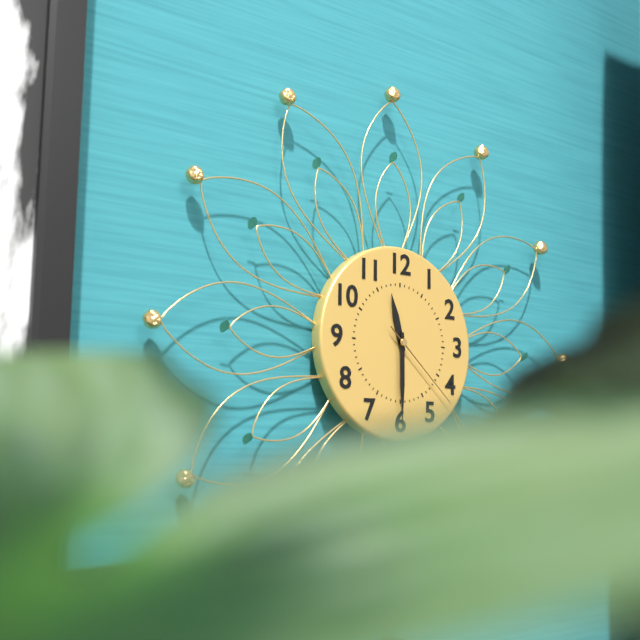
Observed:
11:30:22
